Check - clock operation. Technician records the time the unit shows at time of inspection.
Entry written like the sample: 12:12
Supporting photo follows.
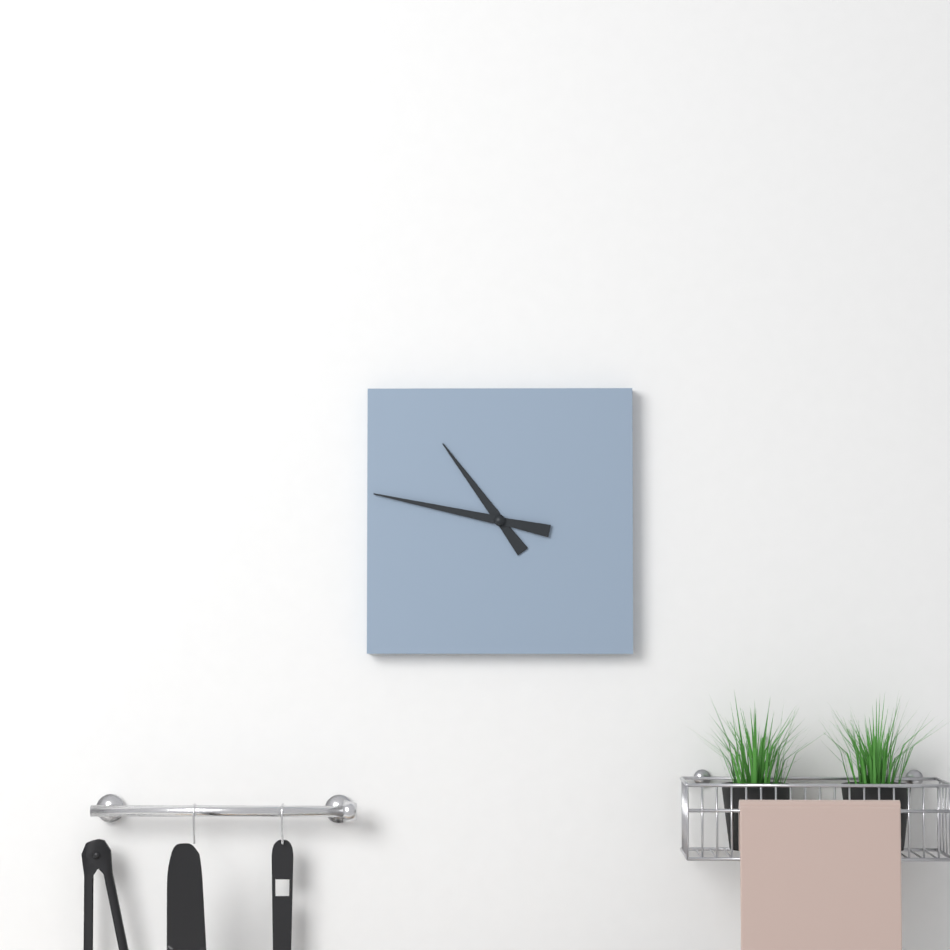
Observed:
10:47
